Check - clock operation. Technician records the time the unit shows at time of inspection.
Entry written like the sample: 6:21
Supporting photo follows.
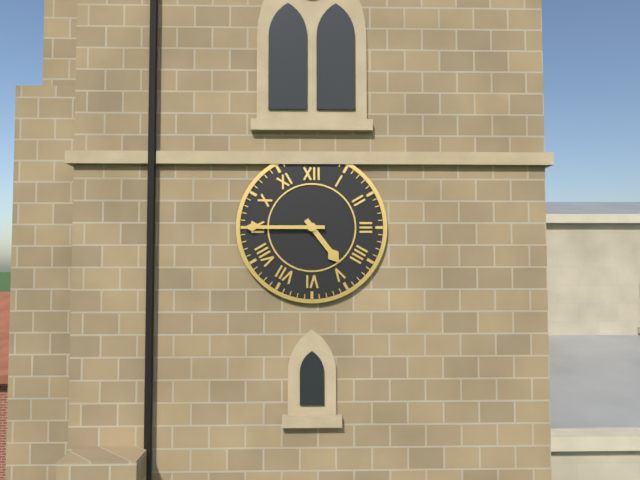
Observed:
4:45
